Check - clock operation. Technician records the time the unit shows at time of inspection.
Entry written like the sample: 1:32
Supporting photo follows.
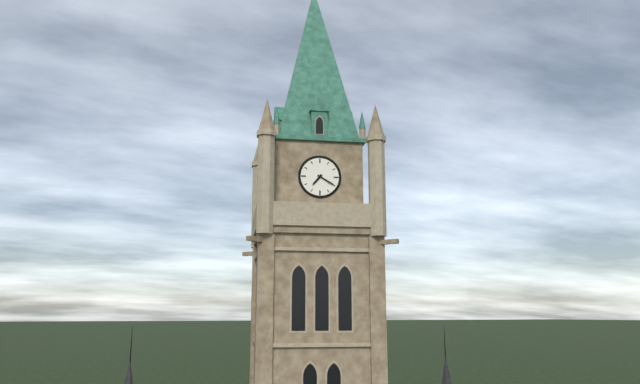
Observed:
7:20
